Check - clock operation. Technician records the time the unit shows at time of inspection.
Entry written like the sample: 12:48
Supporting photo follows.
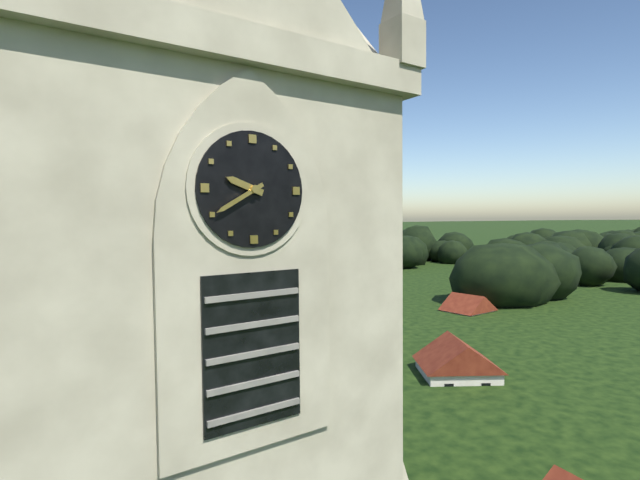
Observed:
9:40
